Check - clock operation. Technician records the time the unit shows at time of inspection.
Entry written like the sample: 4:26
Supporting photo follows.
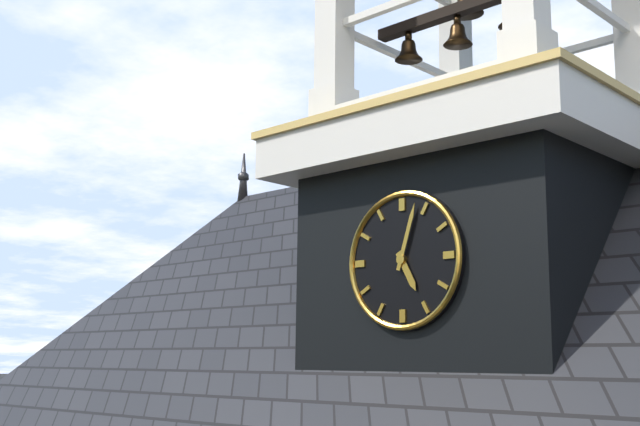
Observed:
5:03
